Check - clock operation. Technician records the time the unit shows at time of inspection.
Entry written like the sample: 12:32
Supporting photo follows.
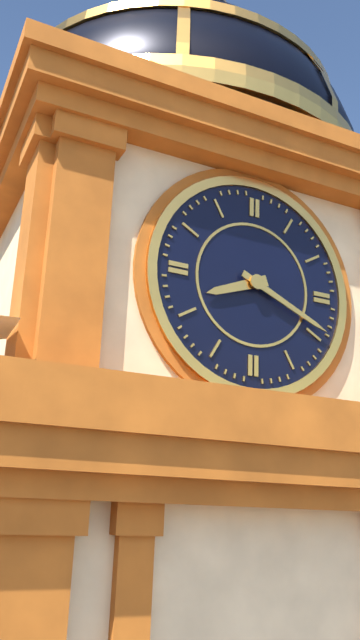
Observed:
8:19
